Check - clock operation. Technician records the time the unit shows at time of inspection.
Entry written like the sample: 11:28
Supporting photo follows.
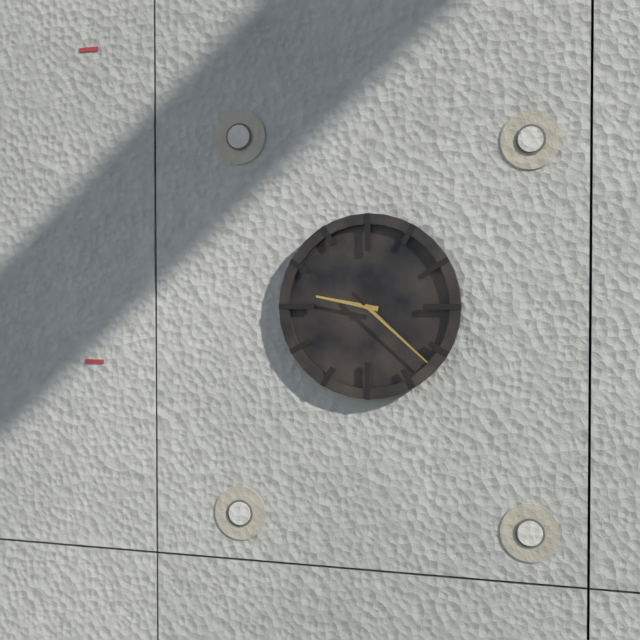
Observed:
9:22
